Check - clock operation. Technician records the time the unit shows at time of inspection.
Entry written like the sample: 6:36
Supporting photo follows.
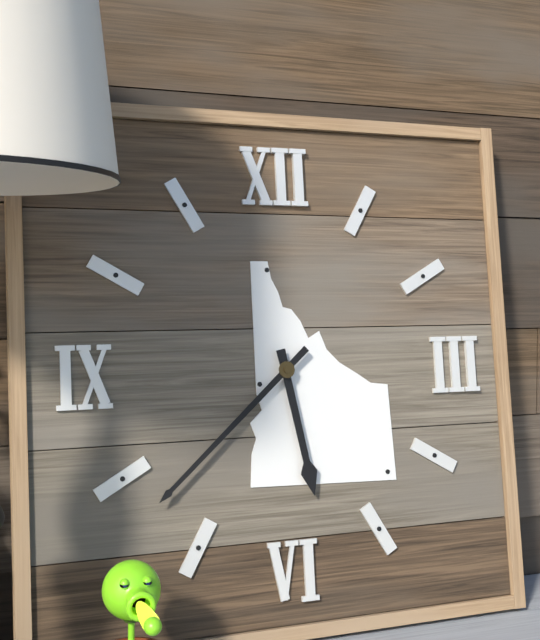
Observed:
5:38
